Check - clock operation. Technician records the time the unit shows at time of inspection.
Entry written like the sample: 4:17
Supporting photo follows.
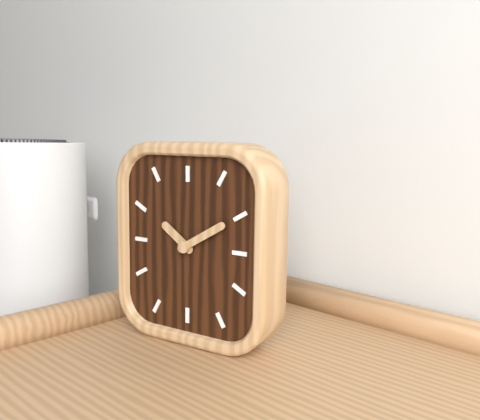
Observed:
10:10
